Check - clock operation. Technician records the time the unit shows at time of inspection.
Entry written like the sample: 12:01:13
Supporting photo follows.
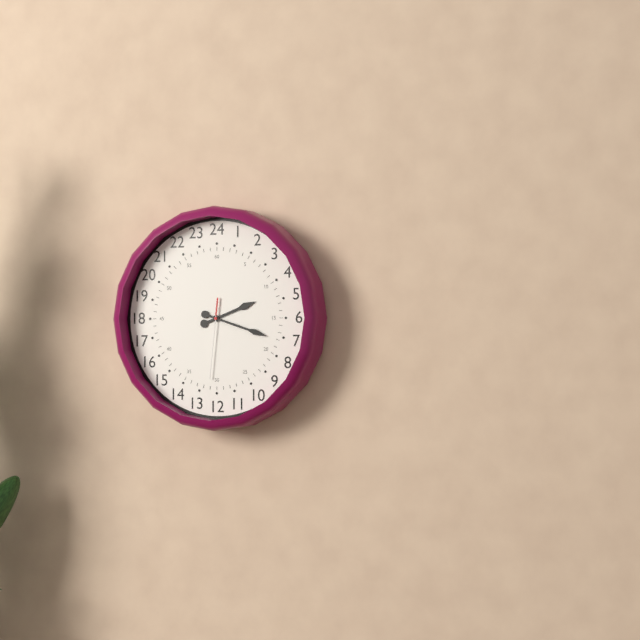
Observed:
2:18:31
